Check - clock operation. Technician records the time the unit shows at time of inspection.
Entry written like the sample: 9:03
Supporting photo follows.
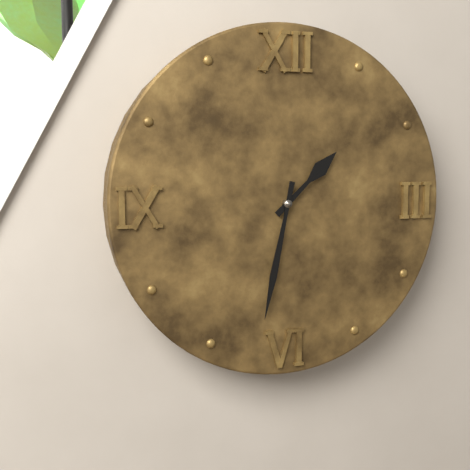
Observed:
1:32
